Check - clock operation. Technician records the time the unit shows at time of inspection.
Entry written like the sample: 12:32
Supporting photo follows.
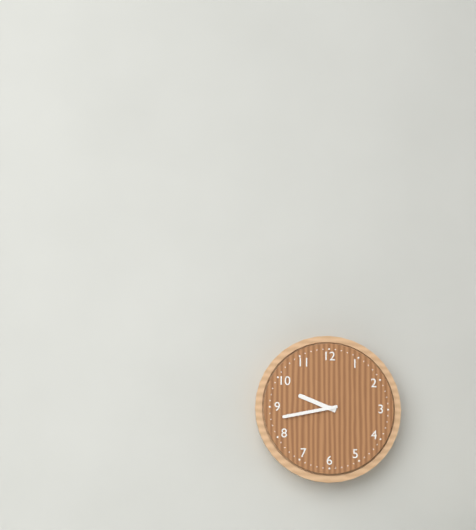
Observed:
9:43
